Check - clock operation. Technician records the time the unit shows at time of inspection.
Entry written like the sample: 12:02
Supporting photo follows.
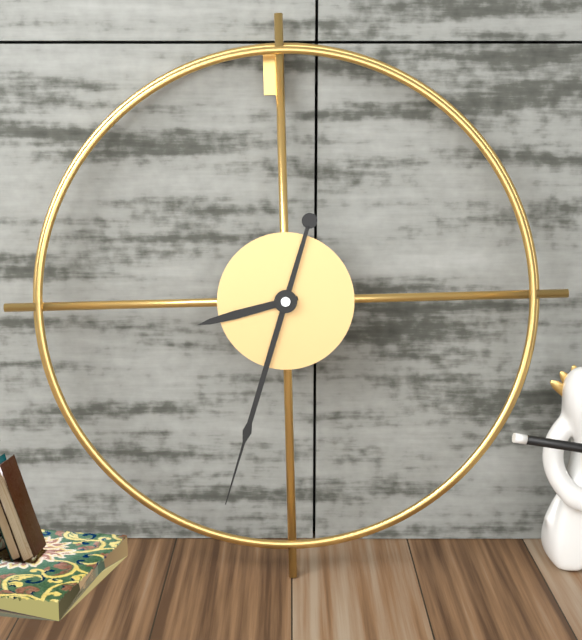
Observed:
8:33
